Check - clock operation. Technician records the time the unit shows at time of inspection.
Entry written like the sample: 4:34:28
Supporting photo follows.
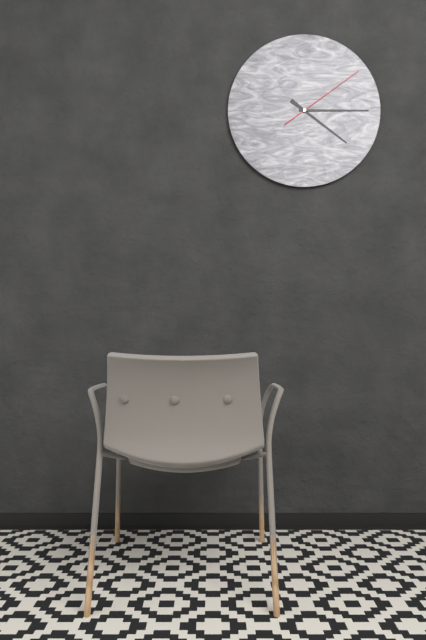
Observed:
4:15:09
